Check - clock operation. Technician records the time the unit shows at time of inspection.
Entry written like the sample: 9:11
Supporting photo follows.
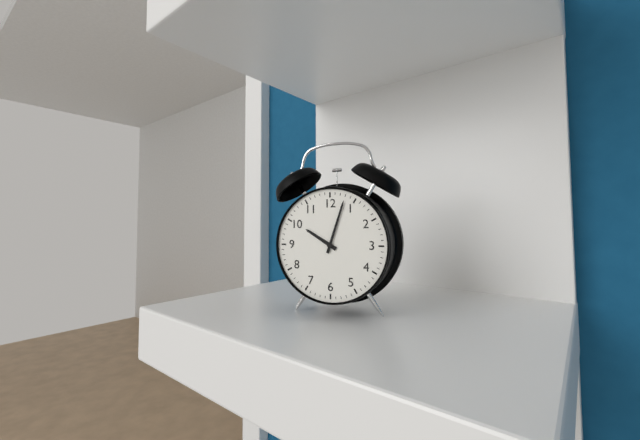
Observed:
10:03
